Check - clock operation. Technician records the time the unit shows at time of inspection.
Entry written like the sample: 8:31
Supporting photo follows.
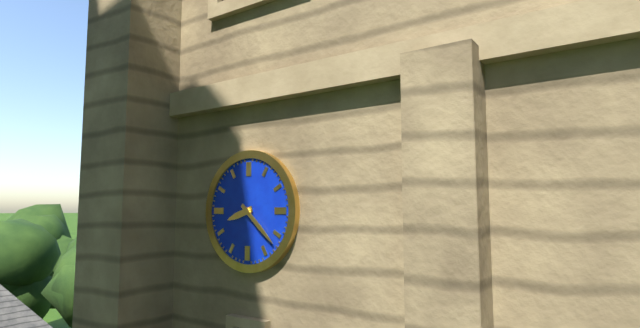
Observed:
8:22
